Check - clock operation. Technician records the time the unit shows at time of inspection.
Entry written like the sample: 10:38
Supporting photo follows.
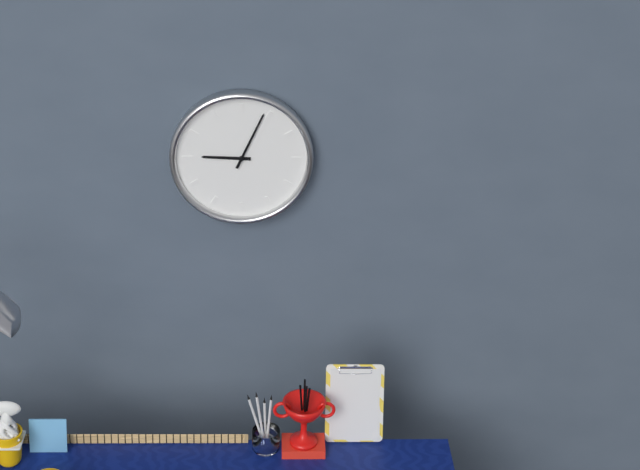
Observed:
9:04
